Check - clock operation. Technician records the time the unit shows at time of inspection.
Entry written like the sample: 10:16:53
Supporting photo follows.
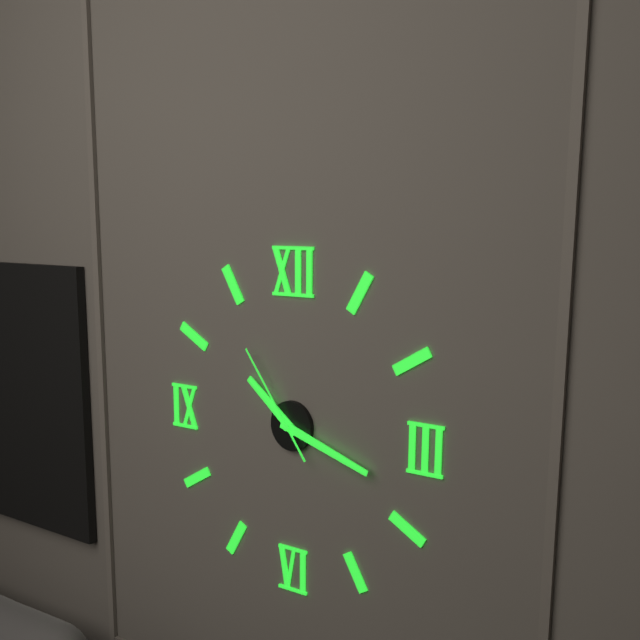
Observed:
10:18:54
